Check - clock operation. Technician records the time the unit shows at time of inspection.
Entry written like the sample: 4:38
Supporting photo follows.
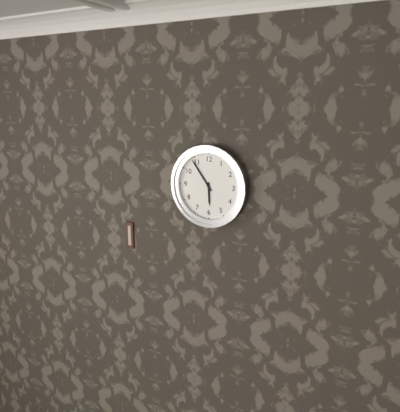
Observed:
5:54
